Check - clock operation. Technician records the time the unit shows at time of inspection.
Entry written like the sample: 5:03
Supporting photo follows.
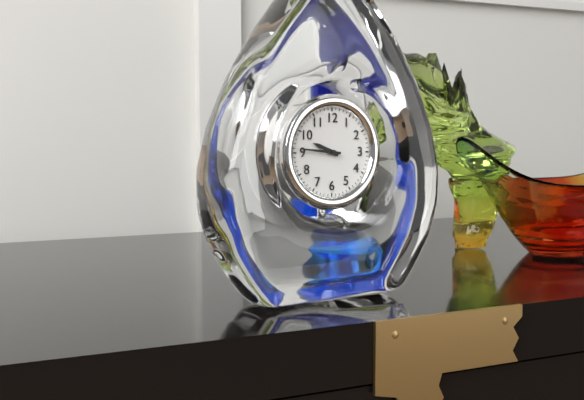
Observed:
9:46
